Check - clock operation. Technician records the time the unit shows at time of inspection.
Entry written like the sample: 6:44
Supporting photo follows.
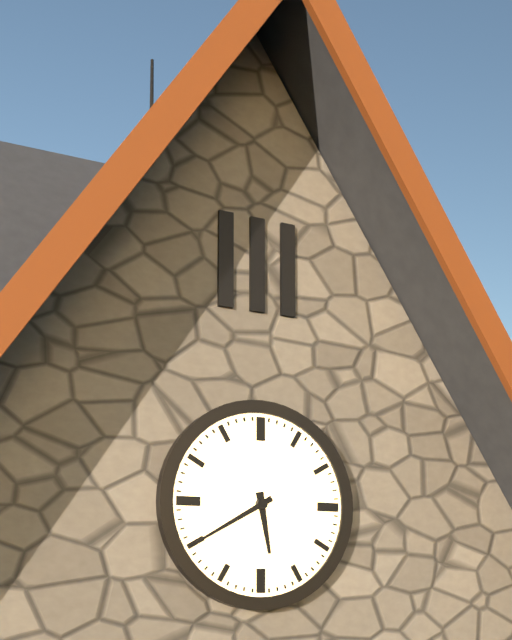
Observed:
5:40
